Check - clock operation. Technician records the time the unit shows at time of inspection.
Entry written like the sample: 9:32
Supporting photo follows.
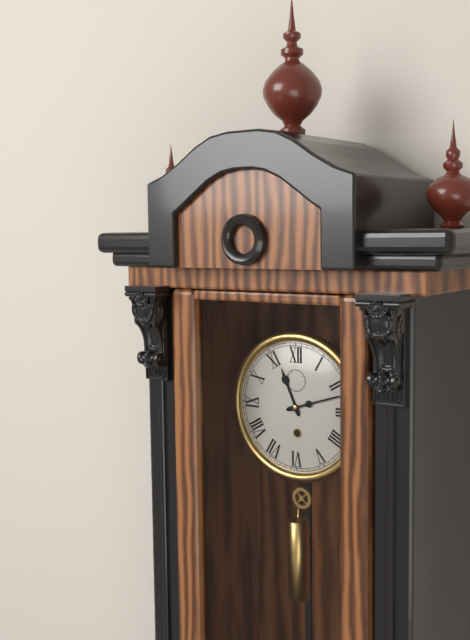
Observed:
11:12
